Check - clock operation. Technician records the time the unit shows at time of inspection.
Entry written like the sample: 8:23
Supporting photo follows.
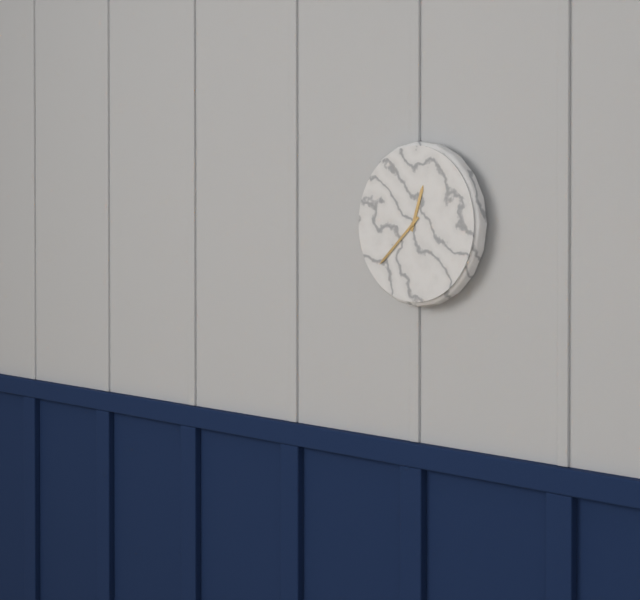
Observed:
12:38
